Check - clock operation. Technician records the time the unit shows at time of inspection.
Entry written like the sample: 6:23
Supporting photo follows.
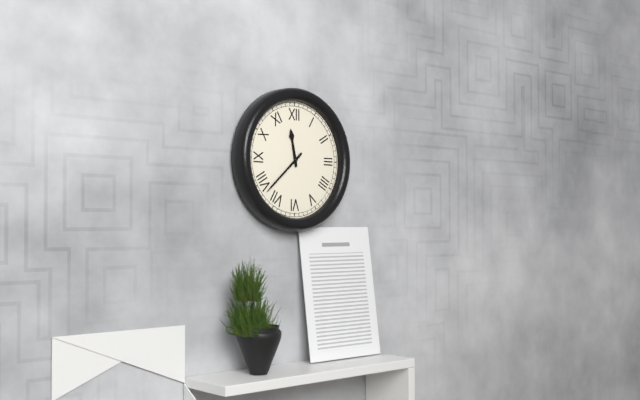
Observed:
11:38
